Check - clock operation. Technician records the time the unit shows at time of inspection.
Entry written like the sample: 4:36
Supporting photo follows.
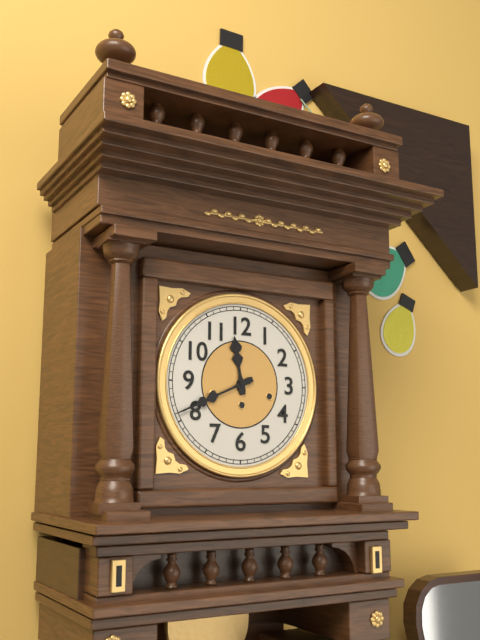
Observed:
11:41
